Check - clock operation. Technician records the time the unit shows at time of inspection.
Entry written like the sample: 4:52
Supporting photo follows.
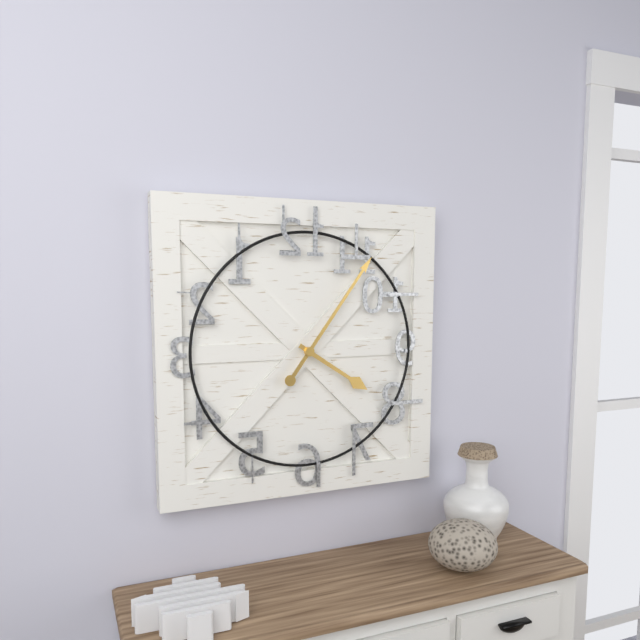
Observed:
4:06
